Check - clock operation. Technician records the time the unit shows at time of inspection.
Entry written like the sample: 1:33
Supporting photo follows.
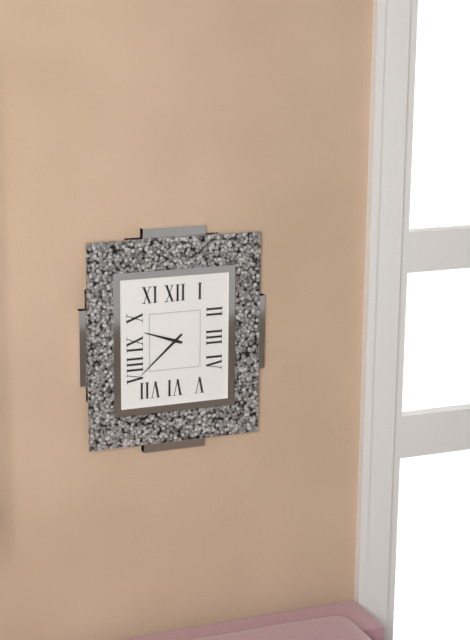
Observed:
9:38
